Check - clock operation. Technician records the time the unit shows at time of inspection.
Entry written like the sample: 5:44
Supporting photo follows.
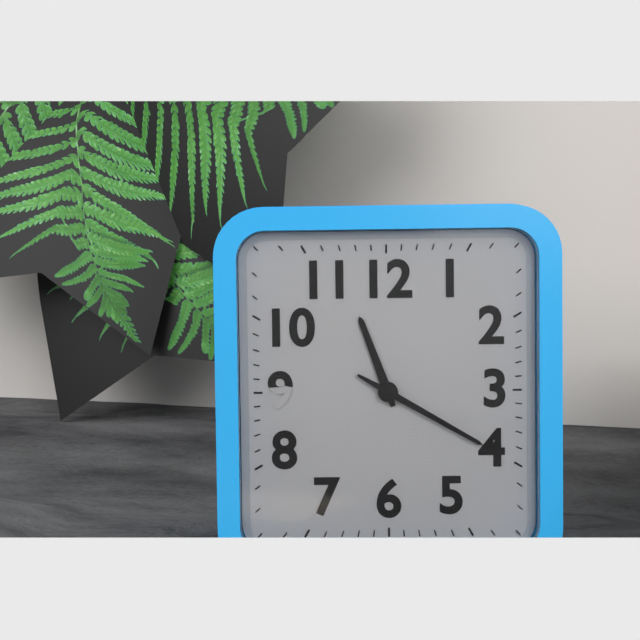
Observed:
11:20
